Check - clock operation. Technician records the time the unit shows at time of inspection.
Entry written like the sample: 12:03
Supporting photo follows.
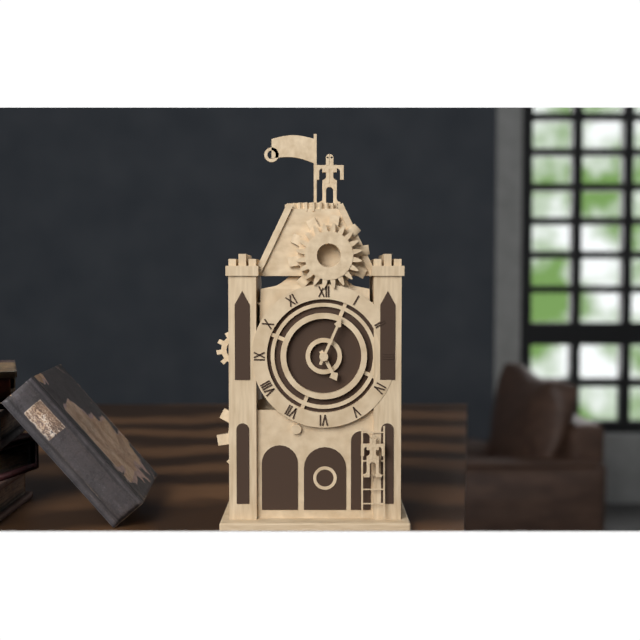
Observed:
5:04
